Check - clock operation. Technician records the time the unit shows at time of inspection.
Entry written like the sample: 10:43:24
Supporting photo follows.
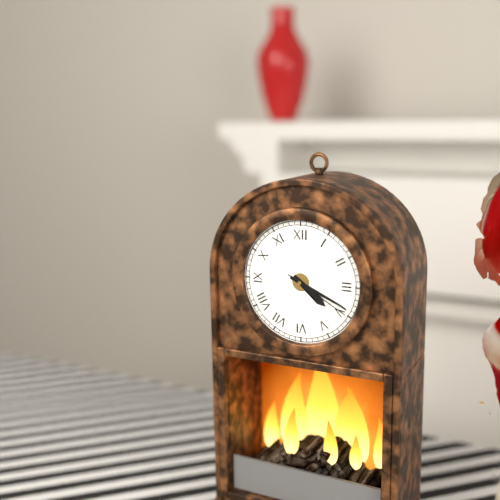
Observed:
4:19:20
